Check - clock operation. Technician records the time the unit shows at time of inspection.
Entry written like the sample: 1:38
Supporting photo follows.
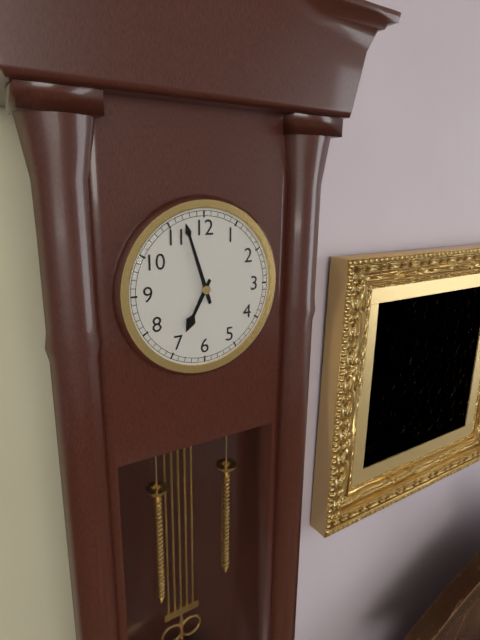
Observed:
6:57
